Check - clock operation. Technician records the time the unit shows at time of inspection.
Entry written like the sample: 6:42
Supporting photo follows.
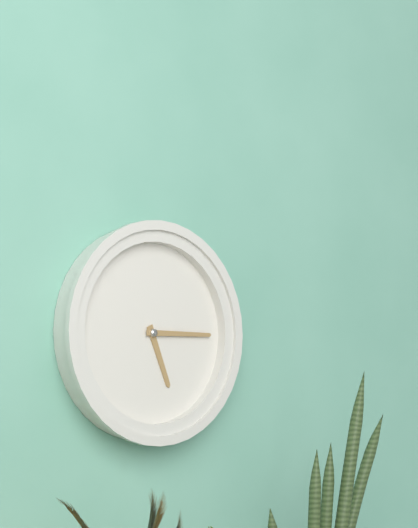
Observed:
5:15
